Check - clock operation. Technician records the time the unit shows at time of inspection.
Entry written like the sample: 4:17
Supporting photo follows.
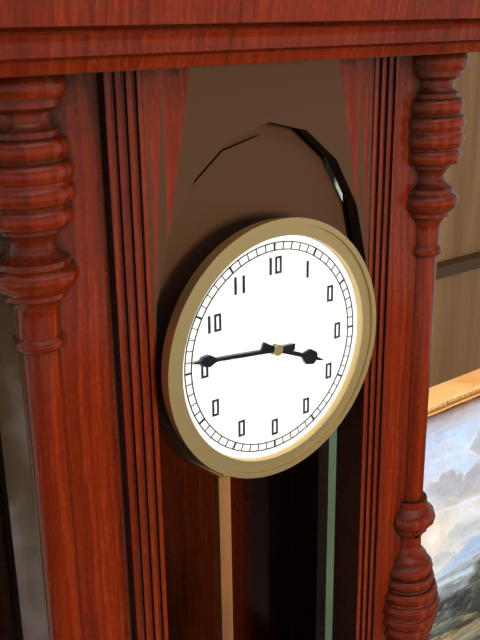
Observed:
3:46
